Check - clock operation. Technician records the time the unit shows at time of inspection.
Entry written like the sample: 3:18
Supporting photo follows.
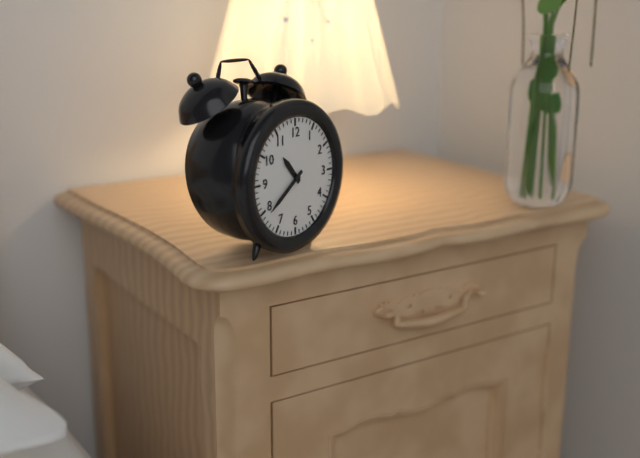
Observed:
10:39
